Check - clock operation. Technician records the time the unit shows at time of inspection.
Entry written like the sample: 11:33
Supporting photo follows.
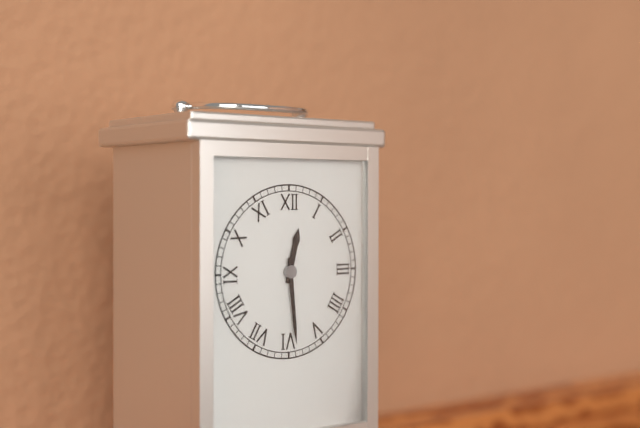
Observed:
12:29
